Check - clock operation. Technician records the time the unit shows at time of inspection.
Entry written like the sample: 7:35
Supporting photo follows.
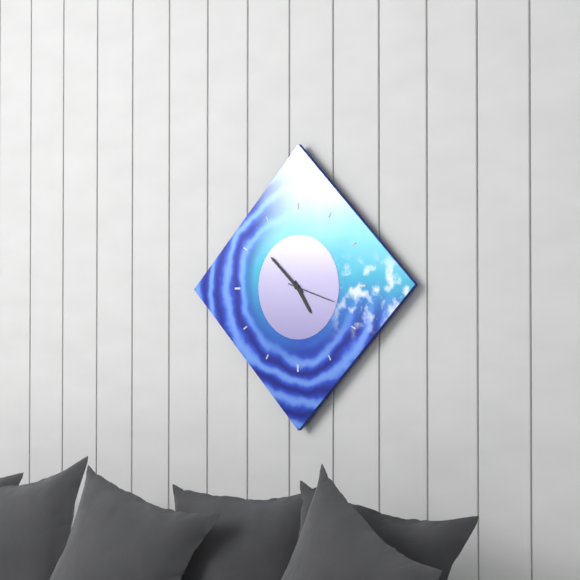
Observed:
4:52
